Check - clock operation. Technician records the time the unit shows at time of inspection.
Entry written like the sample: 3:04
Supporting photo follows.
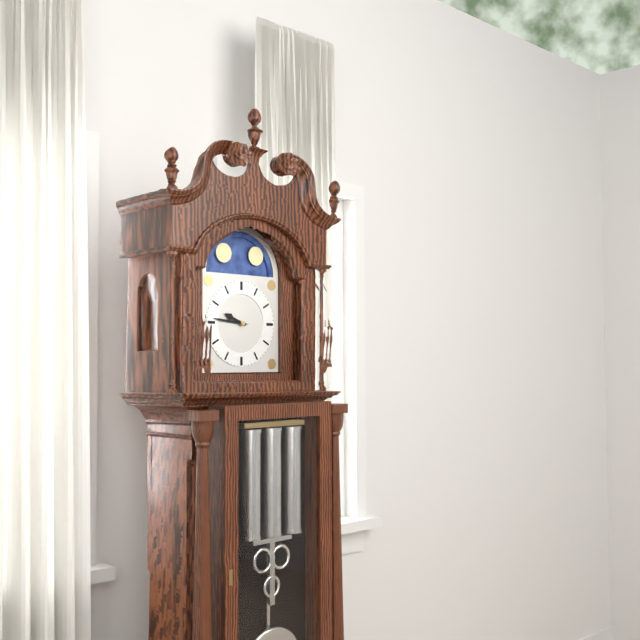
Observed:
9:46
